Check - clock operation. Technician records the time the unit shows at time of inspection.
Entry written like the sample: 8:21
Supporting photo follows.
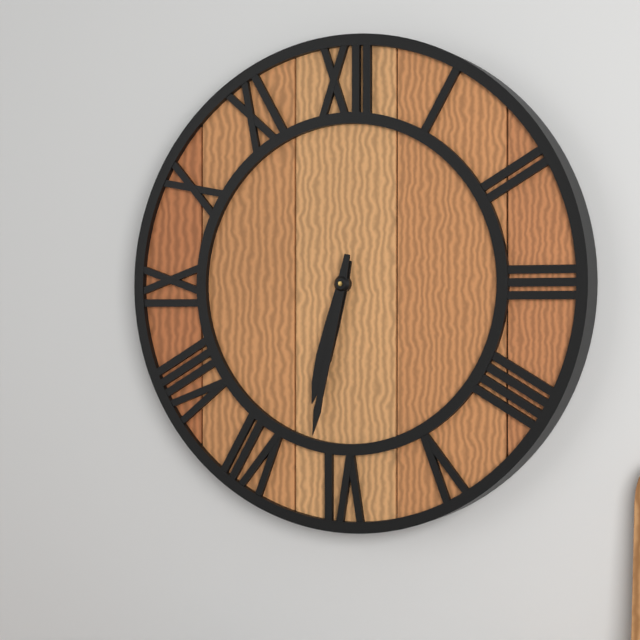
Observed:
6:32
